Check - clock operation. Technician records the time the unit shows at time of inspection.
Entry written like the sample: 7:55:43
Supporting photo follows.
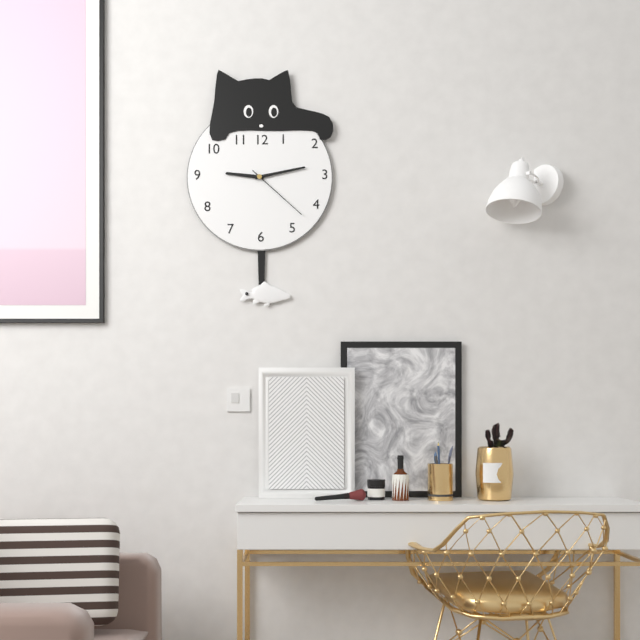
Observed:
9:13:22
